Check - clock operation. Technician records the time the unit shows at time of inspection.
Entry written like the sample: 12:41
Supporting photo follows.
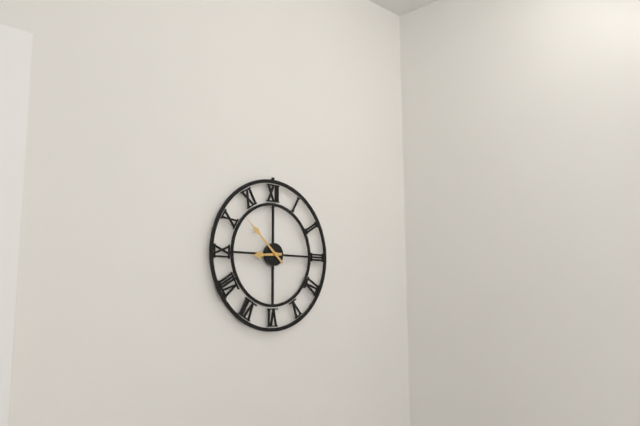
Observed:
8:52
